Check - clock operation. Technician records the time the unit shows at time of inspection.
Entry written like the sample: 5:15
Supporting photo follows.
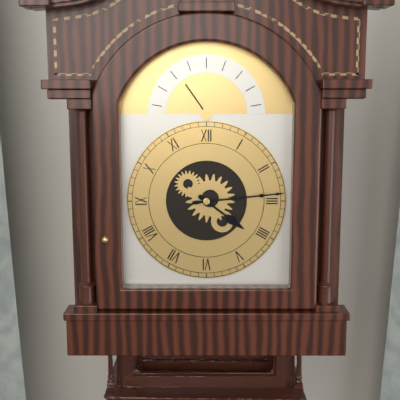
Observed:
4:14
